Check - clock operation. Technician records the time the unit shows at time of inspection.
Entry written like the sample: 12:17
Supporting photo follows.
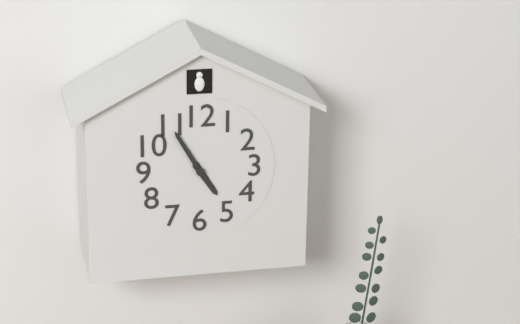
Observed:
4:55
